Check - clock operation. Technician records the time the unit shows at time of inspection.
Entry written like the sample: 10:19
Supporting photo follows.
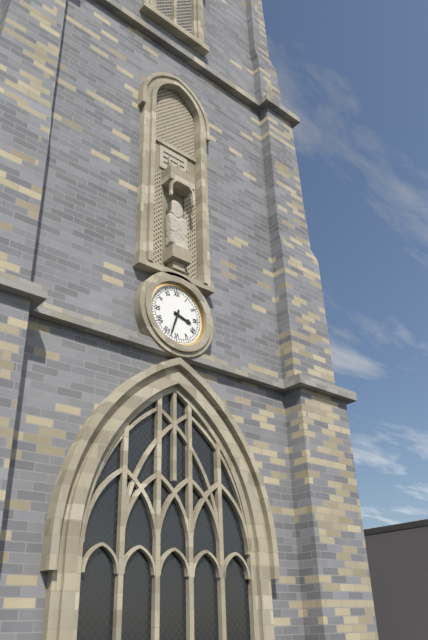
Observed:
3:33
